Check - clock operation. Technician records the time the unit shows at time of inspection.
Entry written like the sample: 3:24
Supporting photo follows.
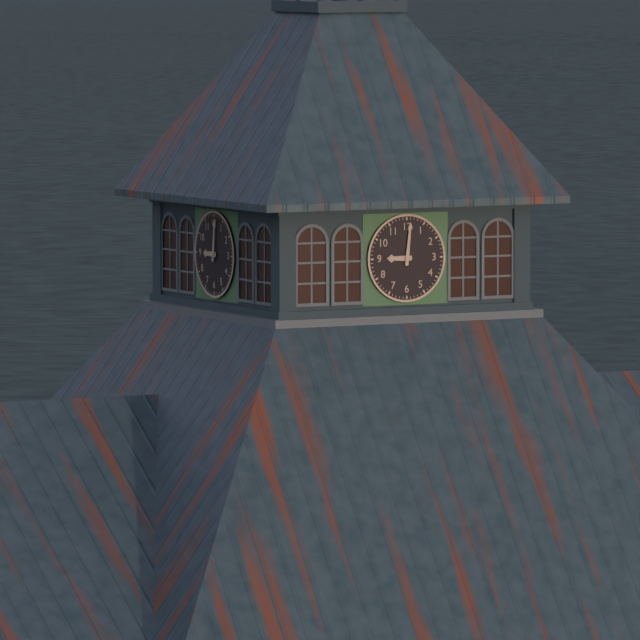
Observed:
9:01
